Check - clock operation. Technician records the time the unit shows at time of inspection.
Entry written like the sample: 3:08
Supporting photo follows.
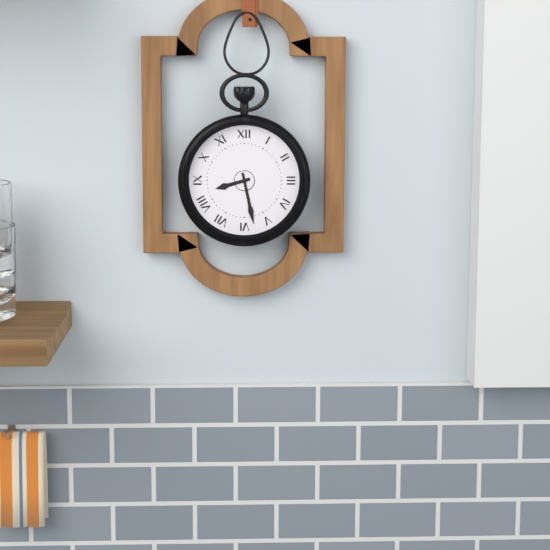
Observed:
8:28
